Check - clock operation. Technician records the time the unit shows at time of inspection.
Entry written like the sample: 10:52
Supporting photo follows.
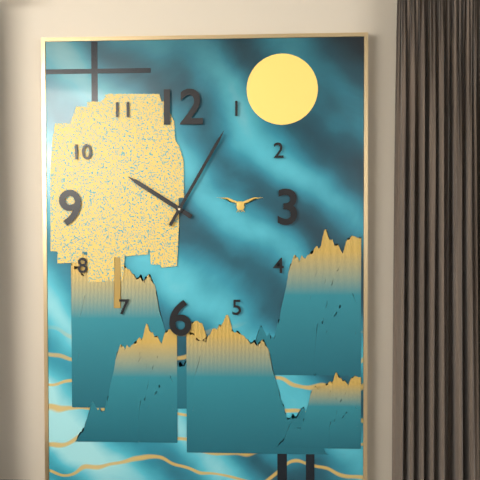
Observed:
10:05
